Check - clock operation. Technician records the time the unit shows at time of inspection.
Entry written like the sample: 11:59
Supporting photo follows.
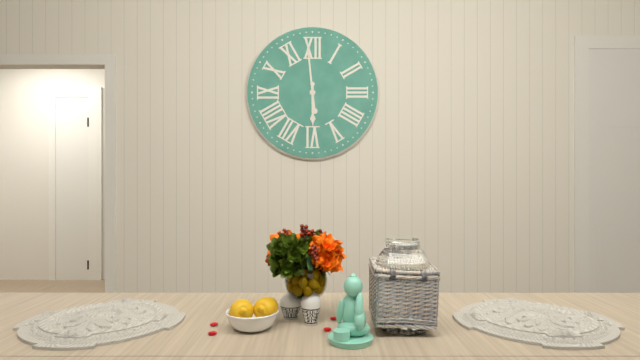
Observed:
5:59
